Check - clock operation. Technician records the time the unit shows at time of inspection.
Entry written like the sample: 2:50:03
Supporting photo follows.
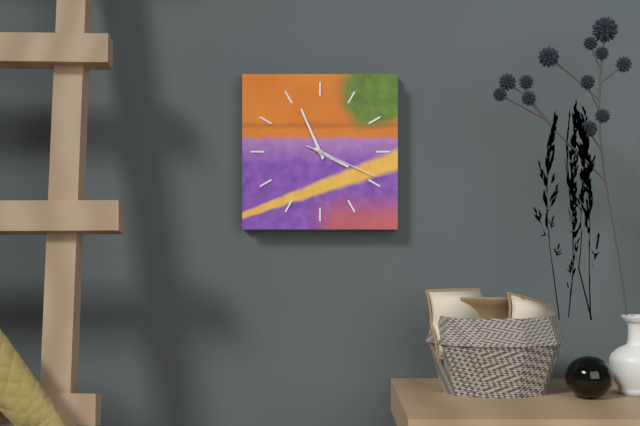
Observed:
3:56:19
